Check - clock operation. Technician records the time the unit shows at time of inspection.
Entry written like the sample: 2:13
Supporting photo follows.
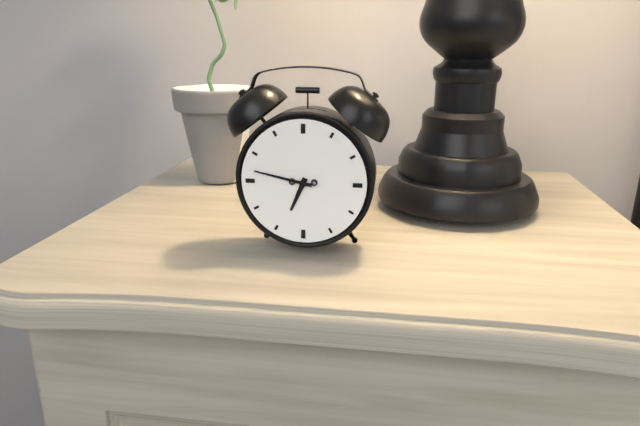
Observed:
6:47
